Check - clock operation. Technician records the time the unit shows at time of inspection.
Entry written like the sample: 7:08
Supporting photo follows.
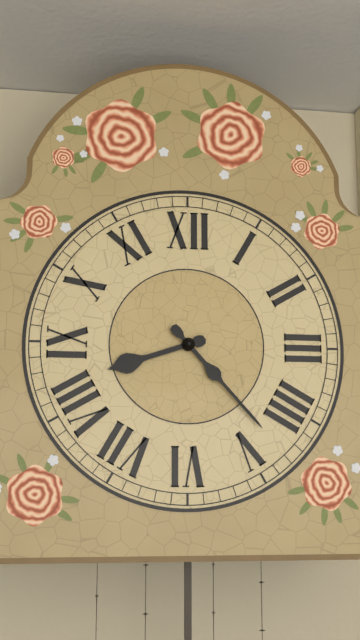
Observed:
8:23
